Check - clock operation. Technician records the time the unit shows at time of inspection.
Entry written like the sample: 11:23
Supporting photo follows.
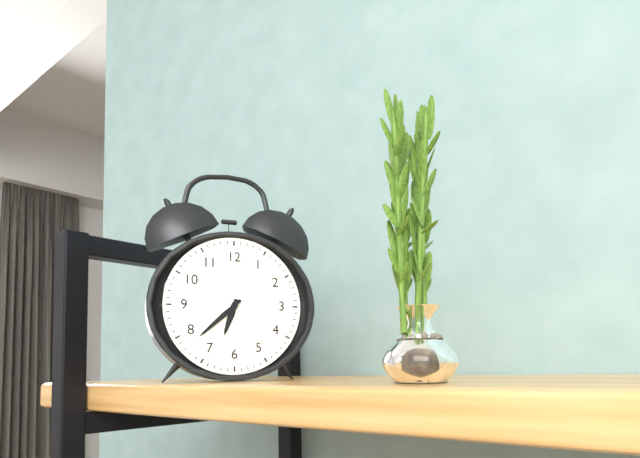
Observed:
6:38
